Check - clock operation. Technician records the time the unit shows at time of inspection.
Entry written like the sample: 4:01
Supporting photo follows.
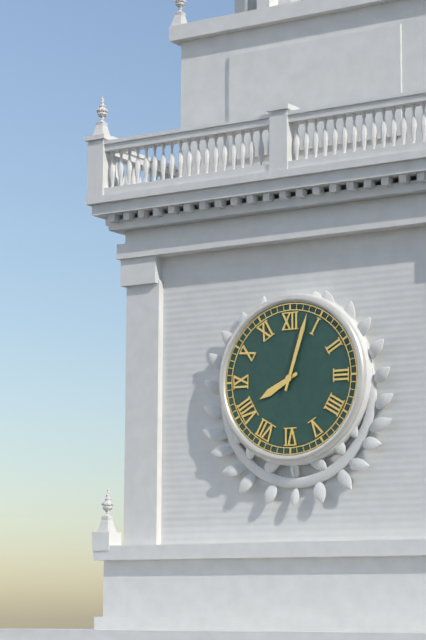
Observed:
8:03
